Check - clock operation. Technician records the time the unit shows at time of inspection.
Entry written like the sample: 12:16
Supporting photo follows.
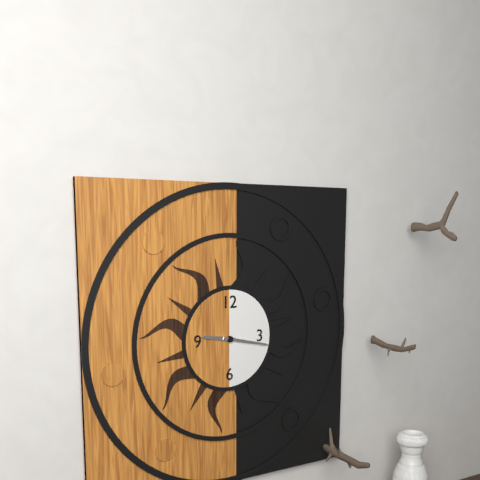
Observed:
9:17
